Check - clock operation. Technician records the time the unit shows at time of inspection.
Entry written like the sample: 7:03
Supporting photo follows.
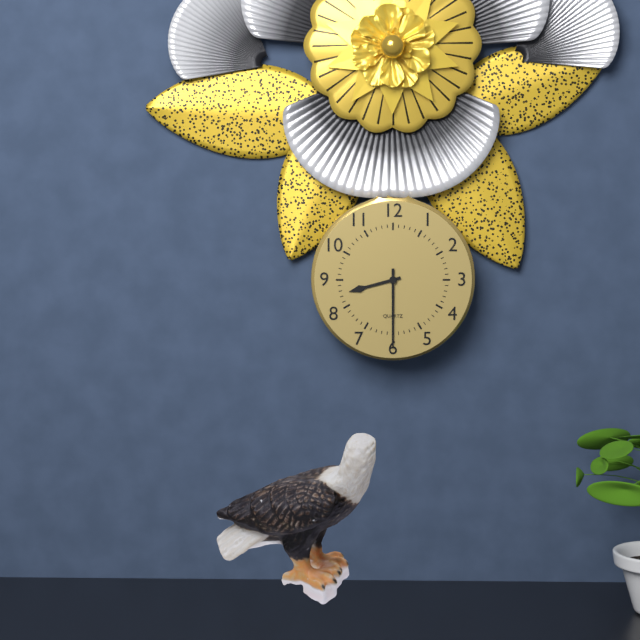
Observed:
8:30
